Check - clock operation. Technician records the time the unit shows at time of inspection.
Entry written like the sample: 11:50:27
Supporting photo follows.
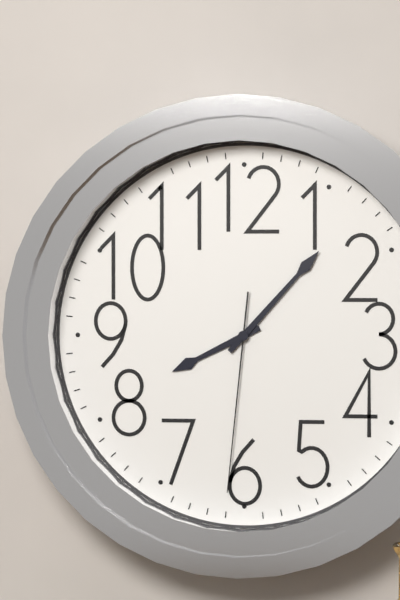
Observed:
8:07:31
